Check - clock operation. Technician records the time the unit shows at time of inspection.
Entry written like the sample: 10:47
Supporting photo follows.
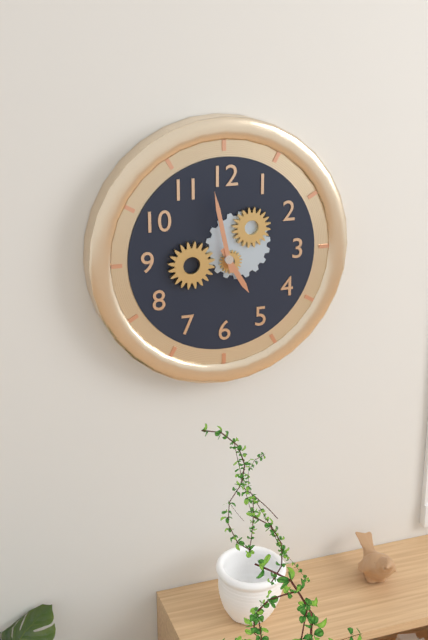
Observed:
4:58
